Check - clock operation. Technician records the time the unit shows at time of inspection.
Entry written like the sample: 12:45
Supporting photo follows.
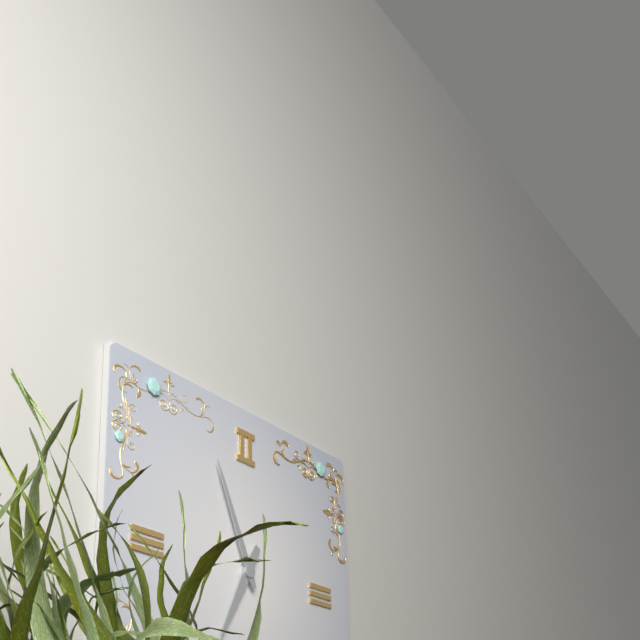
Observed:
6:56
